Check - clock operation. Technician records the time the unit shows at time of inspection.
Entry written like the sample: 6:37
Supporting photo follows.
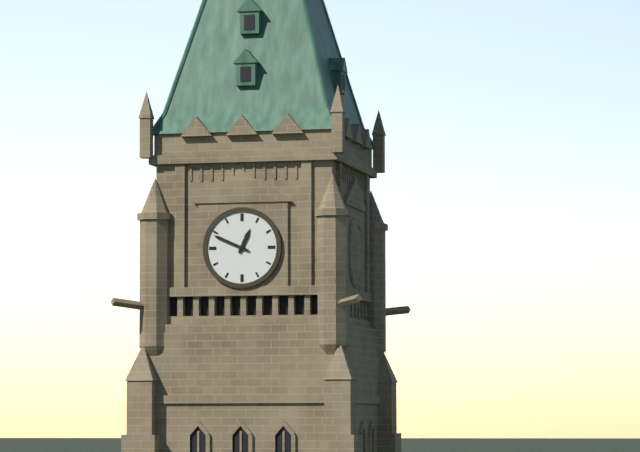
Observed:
12:49
